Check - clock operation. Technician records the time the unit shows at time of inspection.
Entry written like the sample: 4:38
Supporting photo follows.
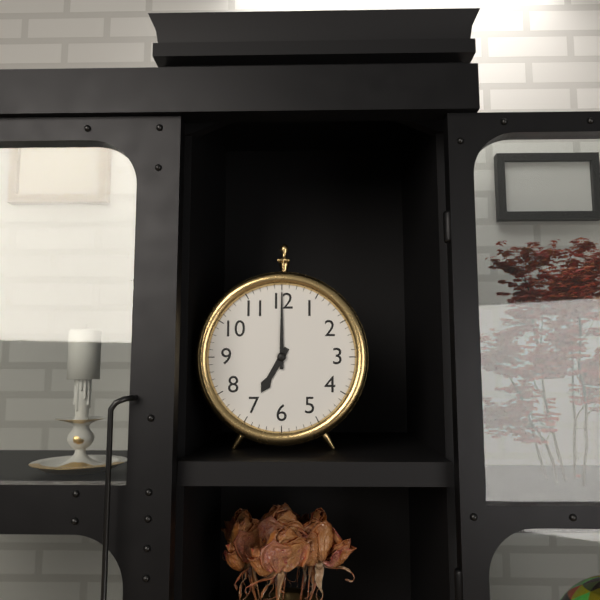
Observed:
7:00
